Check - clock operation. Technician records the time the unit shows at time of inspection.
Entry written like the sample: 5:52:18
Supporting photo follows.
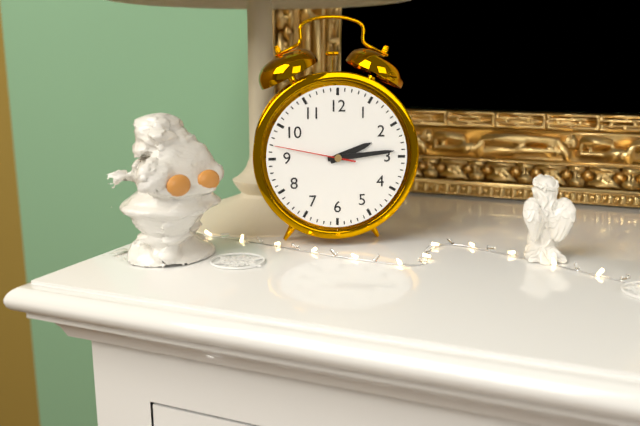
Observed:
2:14:47
